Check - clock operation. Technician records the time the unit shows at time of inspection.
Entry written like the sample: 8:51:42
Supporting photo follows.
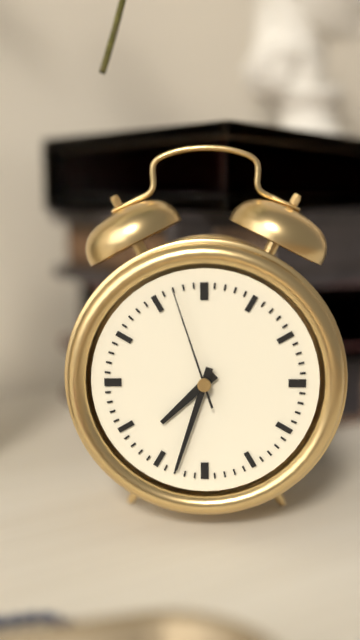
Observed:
7:33:57
